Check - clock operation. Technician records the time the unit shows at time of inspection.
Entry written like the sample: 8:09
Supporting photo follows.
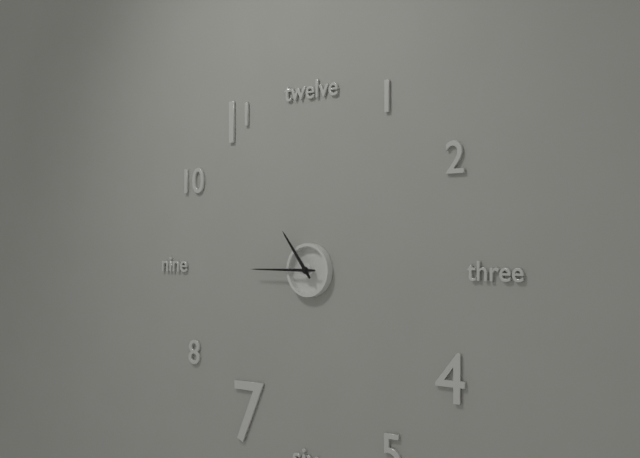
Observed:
10:45
